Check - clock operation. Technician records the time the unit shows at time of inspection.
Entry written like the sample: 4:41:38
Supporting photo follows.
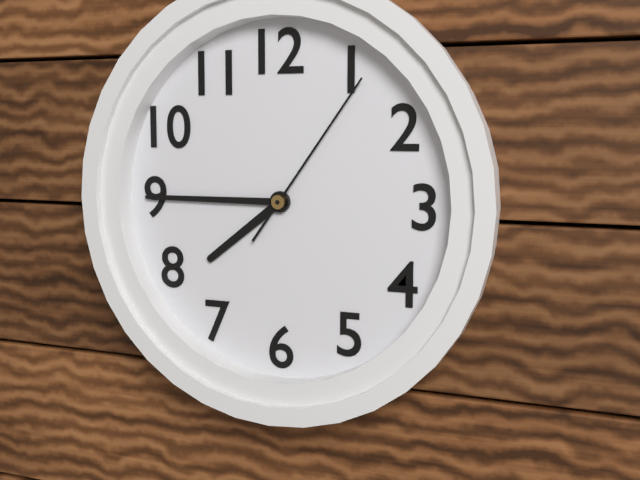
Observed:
7:45:06
